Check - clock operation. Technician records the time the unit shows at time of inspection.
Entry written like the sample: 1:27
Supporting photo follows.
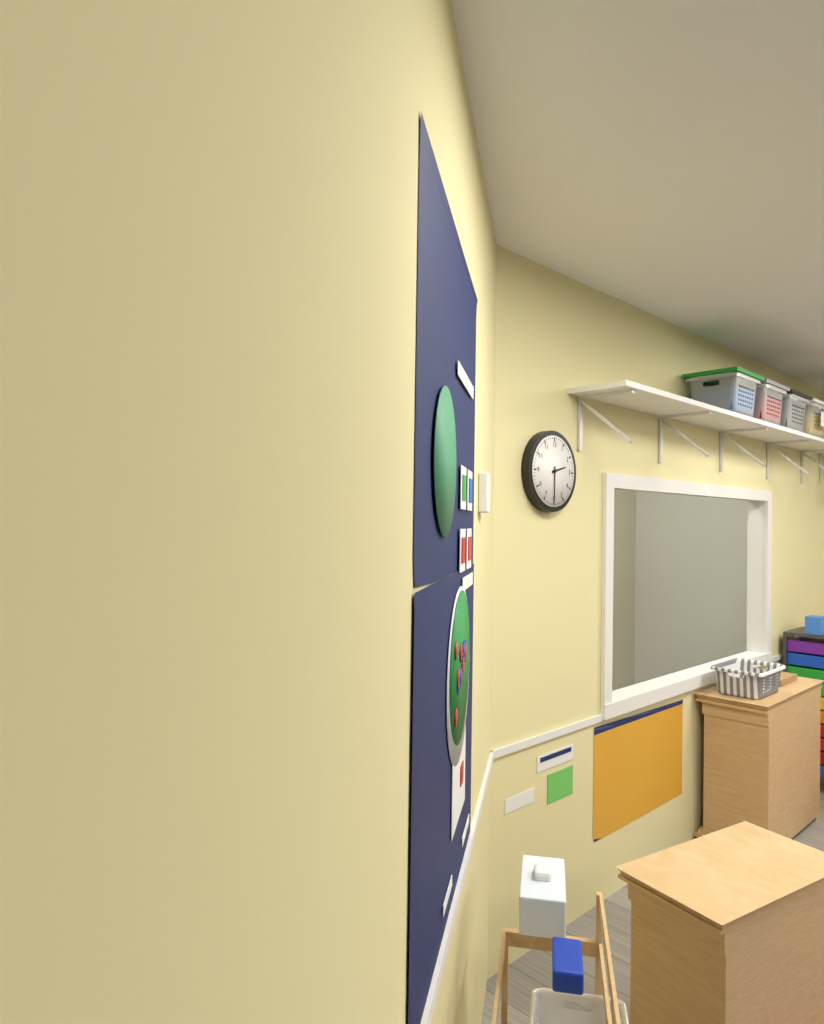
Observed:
2:30
